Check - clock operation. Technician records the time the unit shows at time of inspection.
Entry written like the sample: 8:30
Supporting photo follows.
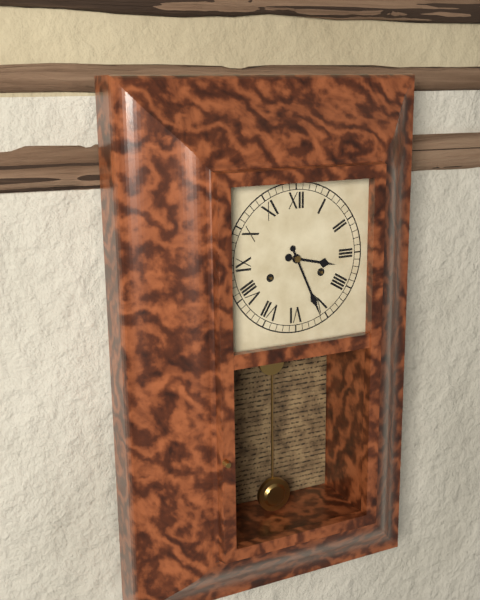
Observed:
3:26
